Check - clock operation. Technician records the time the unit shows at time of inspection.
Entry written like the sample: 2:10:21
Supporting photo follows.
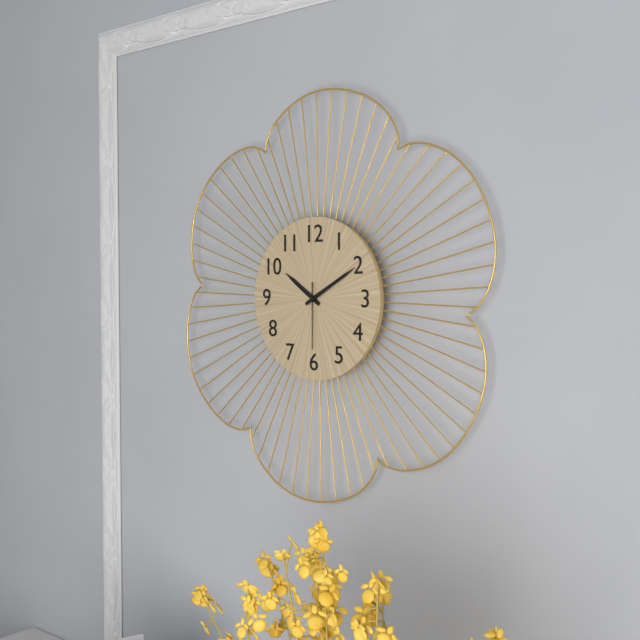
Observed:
10:10:30
